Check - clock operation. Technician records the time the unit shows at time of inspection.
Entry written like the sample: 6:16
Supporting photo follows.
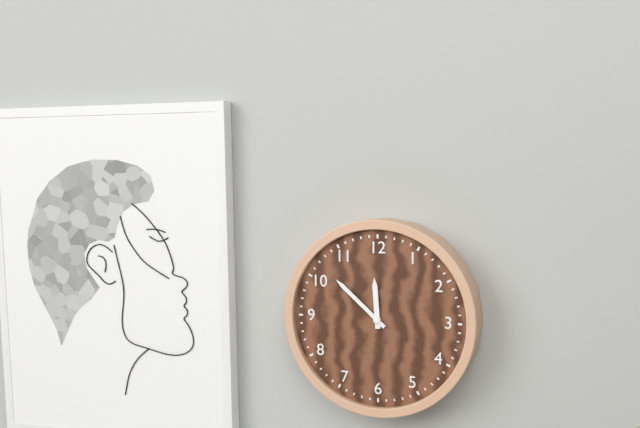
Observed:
11:52
